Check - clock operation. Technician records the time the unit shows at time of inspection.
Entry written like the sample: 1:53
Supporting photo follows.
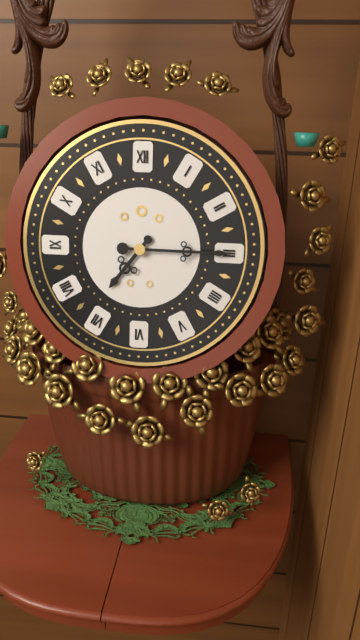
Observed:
7:15
